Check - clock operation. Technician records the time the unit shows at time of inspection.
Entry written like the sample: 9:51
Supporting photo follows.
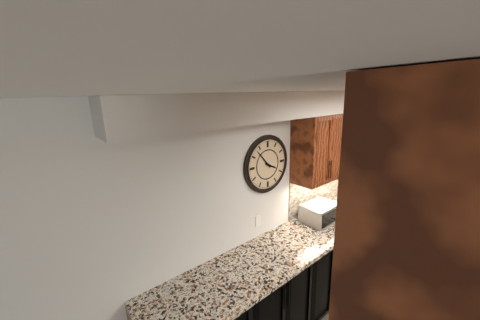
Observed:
3:53
